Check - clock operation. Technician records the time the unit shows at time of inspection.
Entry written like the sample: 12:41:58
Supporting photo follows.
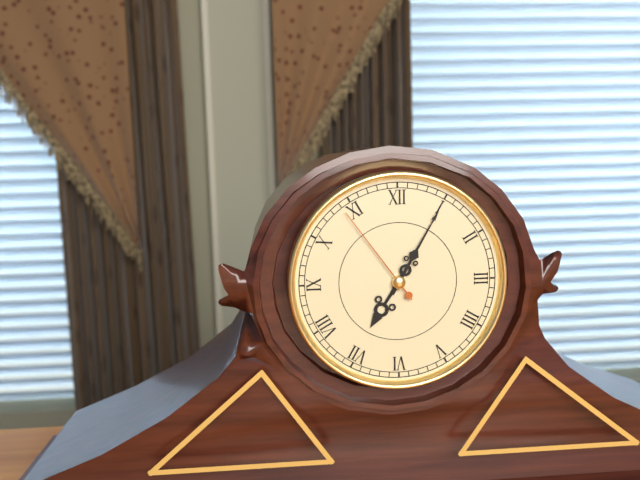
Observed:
7:05:54
